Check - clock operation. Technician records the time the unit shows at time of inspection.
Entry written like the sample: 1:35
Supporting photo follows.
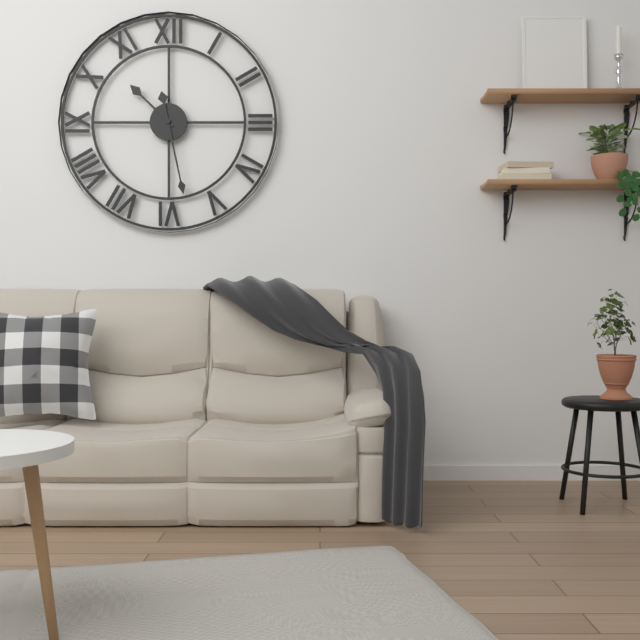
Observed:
10:28
